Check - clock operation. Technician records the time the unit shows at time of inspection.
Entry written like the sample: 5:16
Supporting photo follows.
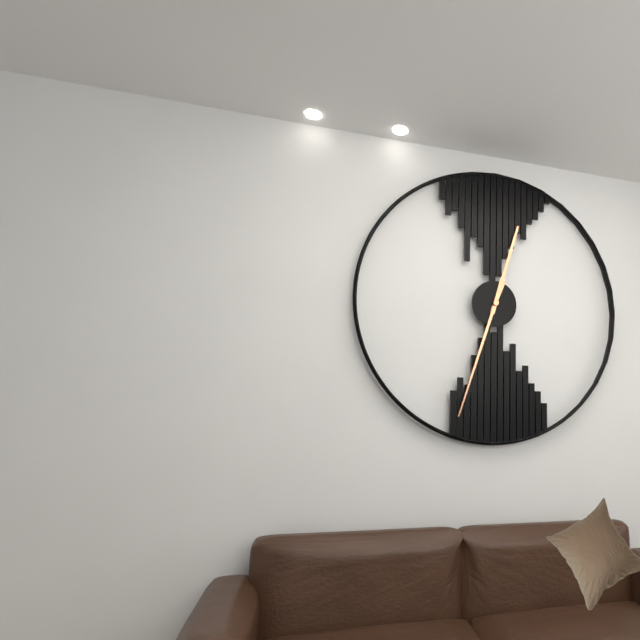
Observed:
12:33
